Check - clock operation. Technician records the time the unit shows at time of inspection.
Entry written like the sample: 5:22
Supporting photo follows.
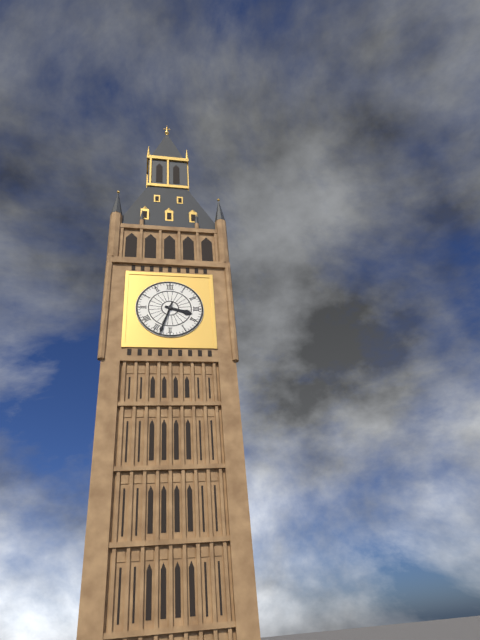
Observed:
3:33
